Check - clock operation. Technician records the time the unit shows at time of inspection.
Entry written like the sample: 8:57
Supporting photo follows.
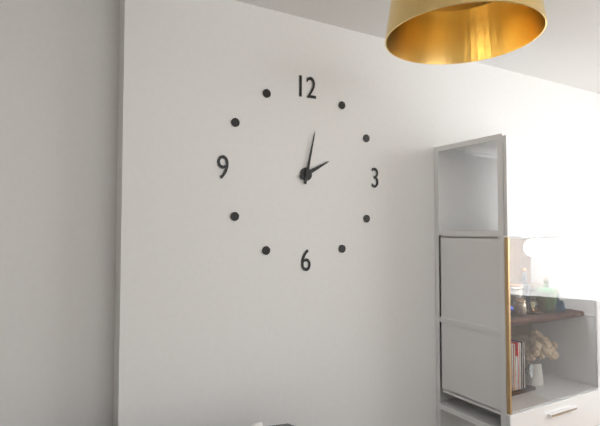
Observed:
2:02
